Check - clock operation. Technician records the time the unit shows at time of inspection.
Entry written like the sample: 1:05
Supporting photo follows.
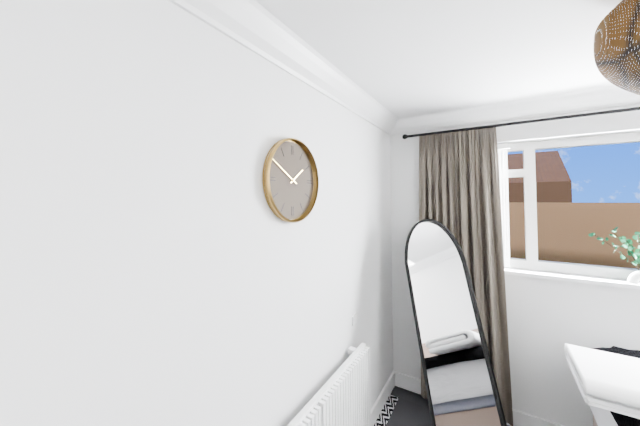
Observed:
1:50
